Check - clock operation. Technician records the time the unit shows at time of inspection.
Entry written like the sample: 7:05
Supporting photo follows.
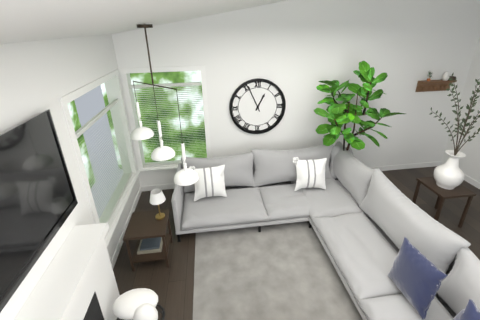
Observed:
12:56
